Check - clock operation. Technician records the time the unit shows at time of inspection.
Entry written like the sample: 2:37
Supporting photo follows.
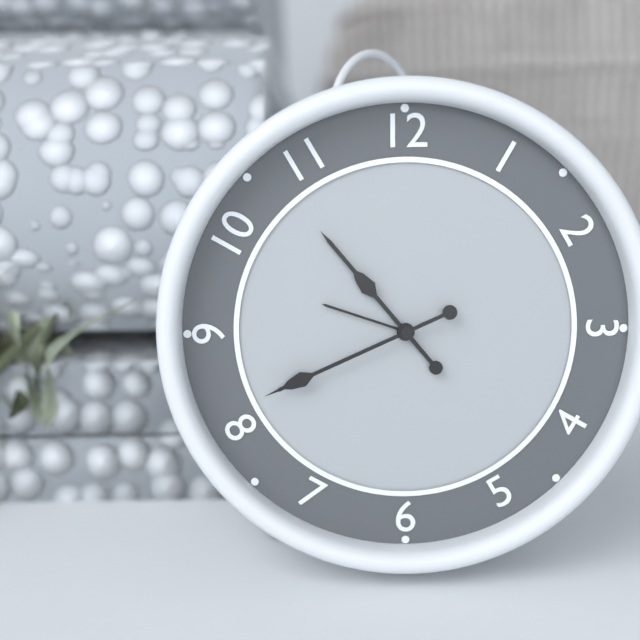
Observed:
10:41
